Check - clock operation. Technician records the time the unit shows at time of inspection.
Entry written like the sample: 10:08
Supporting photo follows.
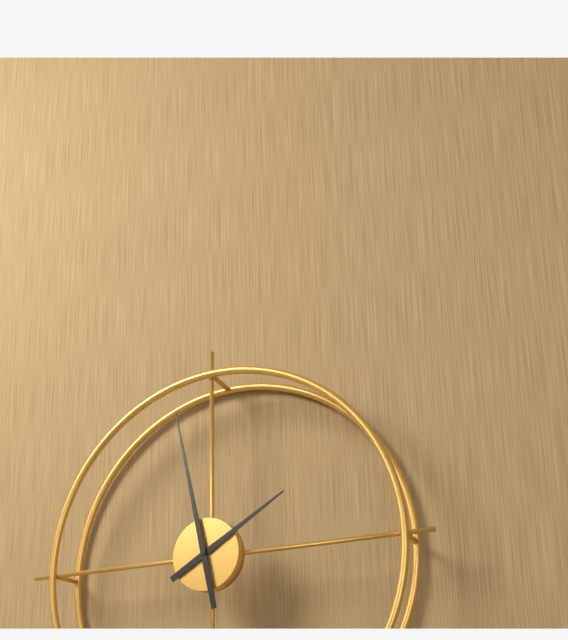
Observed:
1:58
